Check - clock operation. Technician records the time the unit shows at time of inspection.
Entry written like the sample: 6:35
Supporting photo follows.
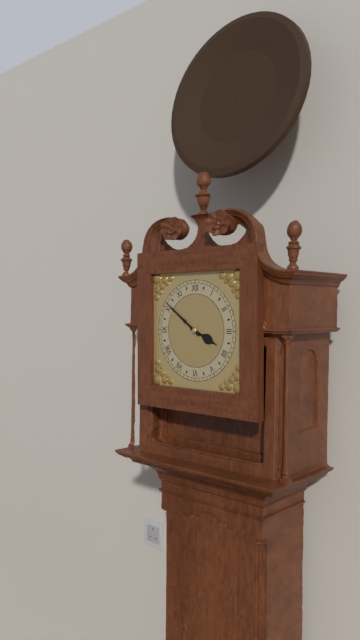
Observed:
3:51
